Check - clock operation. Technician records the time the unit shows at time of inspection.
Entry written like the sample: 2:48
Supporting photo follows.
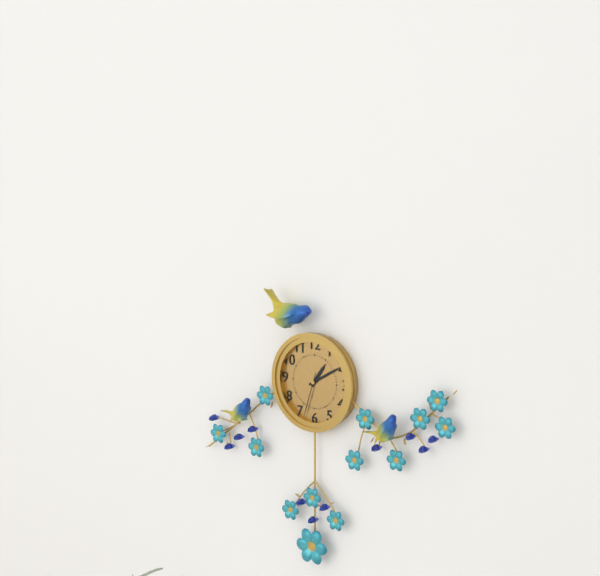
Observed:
1:10
